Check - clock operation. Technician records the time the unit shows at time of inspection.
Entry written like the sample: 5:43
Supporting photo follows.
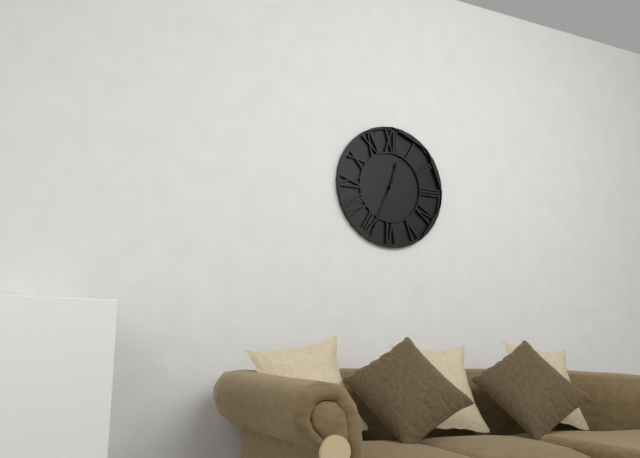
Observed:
12:34
